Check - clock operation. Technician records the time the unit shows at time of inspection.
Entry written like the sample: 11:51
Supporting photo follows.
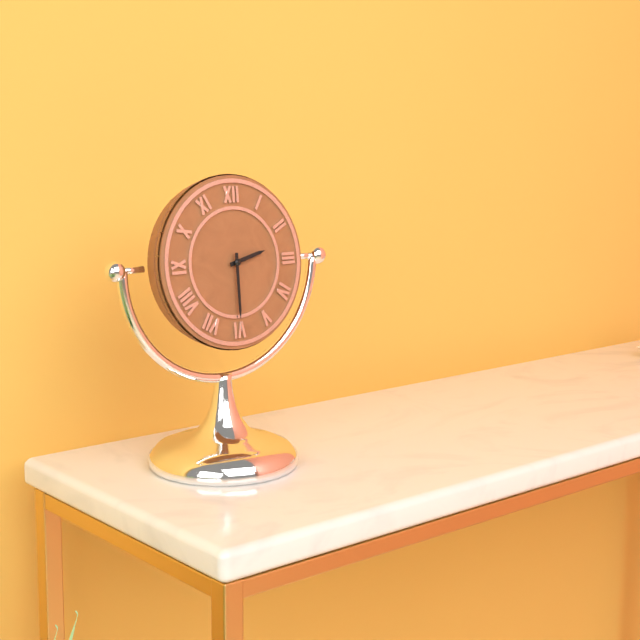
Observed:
2:30
